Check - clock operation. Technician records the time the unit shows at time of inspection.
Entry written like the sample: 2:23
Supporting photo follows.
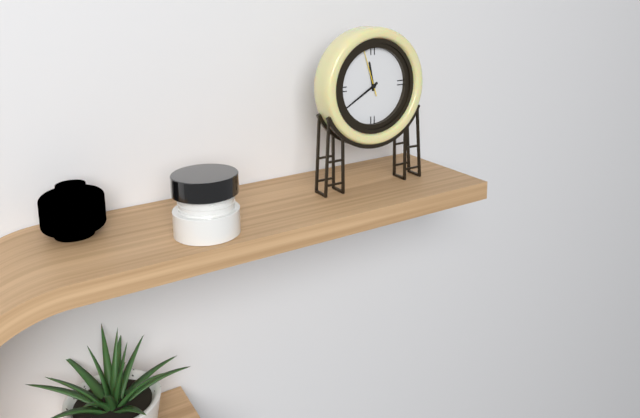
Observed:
11:40
